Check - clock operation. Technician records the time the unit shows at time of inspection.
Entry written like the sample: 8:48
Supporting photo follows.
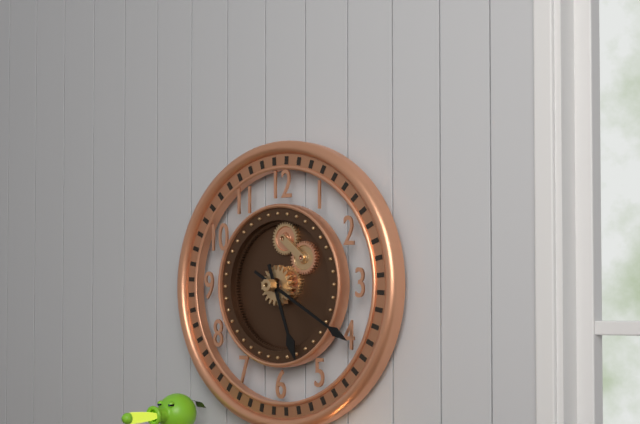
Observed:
5:20
